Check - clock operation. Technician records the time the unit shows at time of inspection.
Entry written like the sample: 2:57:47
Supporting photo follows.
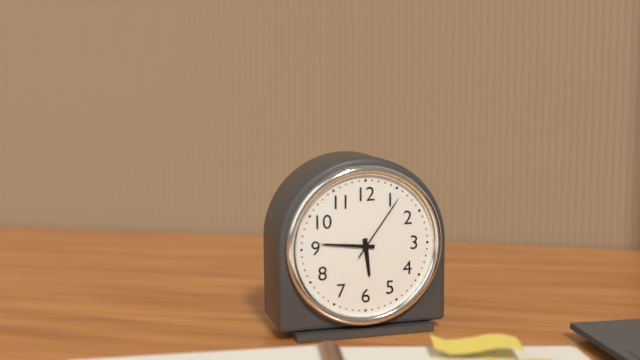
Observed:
5:46:06
